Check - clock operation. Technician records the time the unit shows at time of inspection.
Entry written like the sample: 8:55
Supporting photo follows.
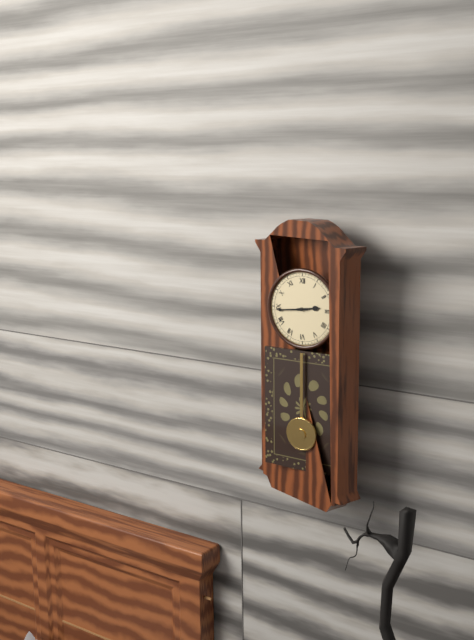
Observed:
2:44
